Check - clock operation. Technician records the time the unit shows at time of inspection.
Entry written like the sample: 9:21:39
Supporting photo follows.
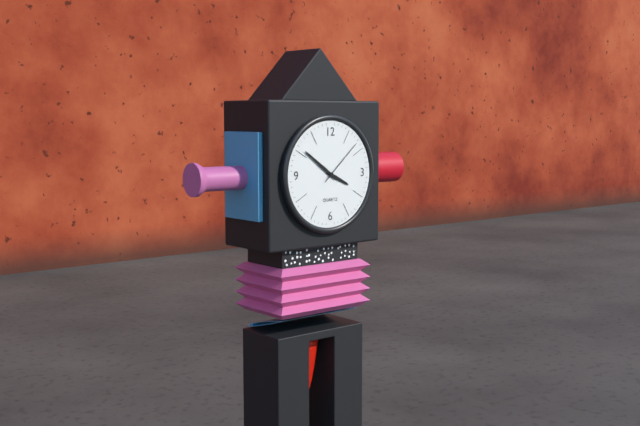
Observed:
3:51:08
